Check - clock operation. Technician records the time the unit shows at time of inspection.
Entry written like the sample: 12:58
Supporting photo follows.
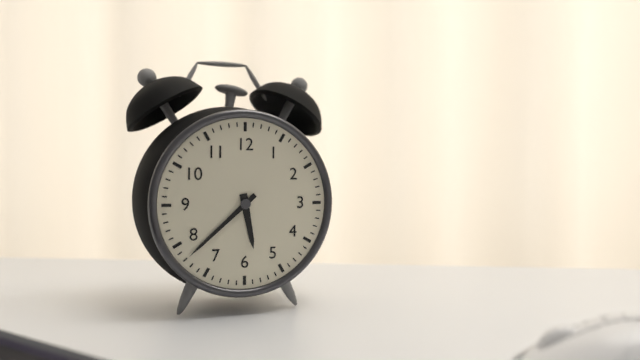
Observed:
5:38
